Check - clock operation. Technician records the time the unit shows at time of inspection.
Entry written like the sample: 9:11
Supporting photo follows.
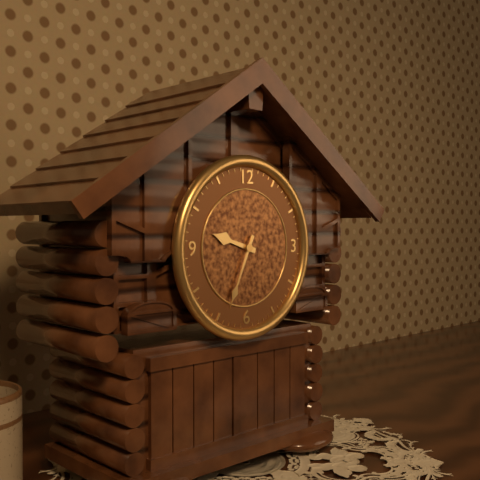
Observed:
9:34
